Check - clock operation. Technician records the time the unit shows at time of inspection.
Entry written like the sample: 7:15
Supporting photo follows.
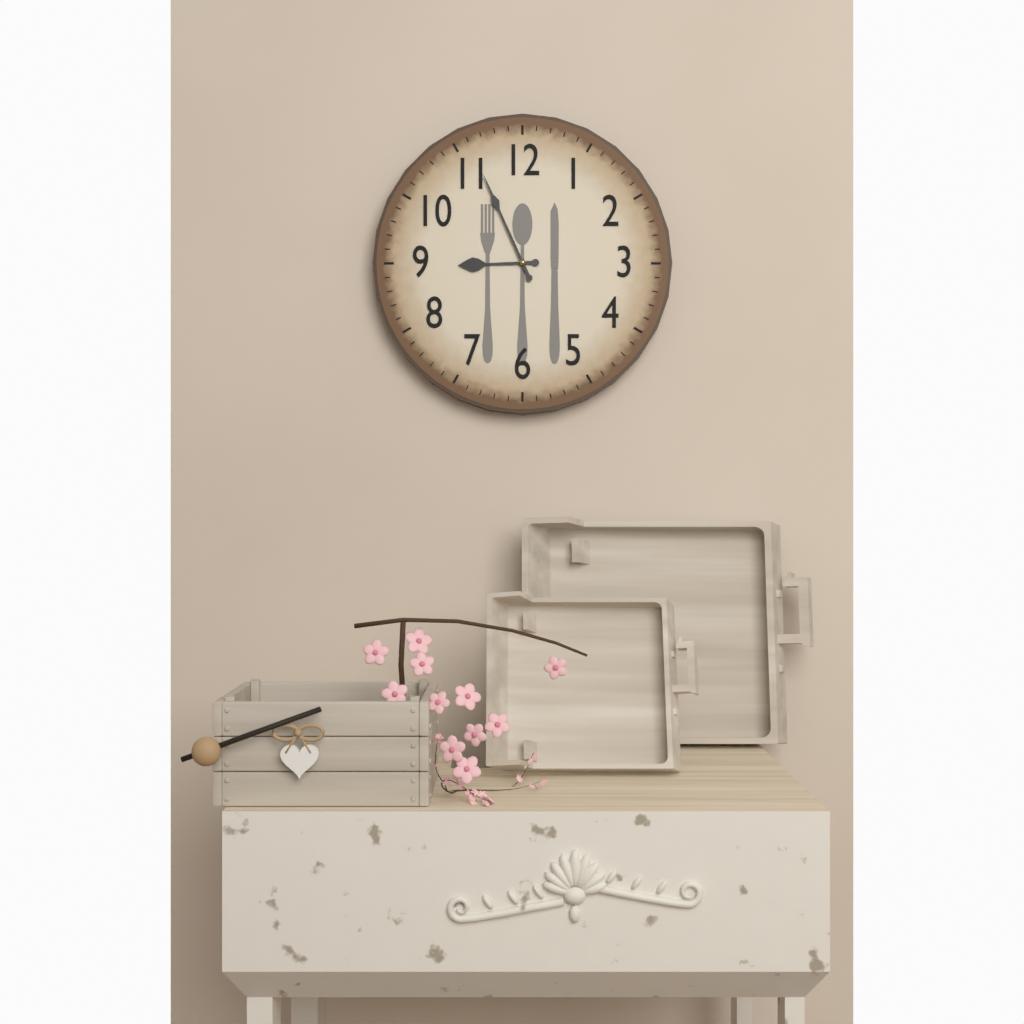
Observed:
8:56
